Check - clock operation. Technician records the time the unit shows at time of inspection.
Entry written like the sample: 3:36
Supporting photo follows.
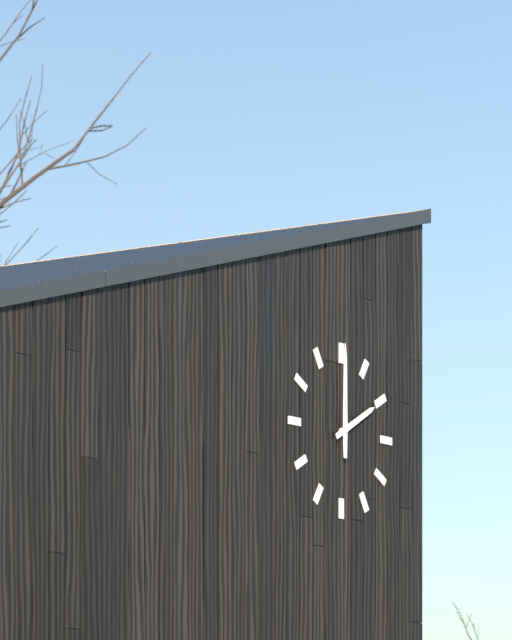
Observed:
2:00
